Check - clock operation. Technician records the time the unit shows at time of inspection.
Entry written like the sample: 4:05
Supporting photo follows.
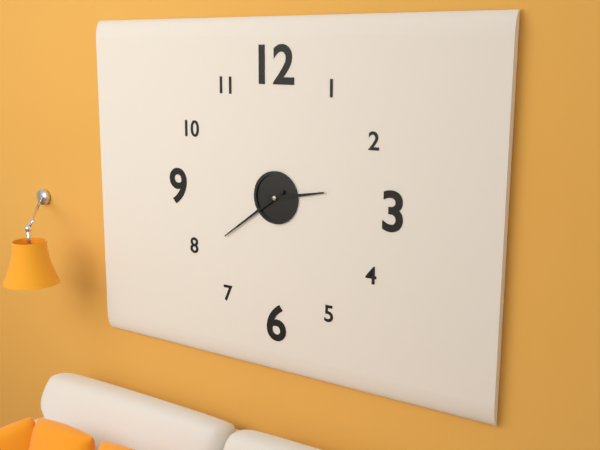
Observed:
2:39
